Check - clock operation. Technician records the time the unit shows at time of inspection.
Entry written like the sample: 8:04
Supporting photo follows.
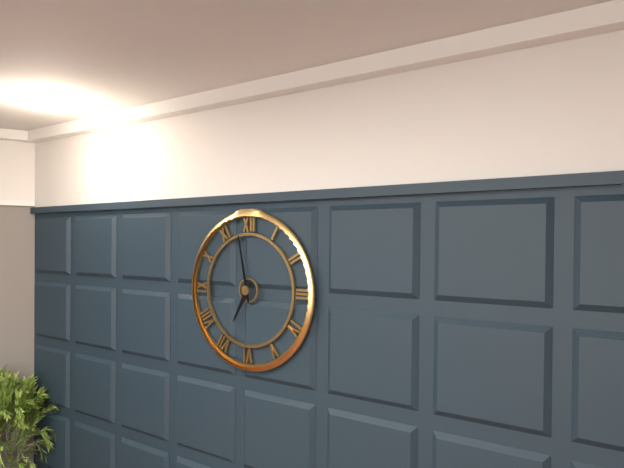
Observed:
6:58
